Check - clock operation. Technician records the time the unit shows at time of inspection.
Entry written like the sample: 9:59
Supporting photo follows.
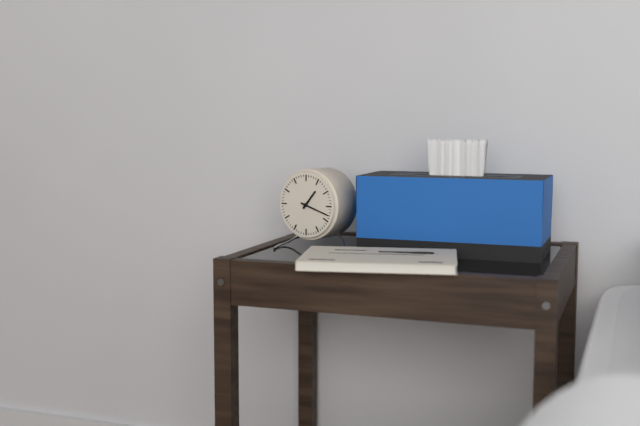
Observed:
1:18
